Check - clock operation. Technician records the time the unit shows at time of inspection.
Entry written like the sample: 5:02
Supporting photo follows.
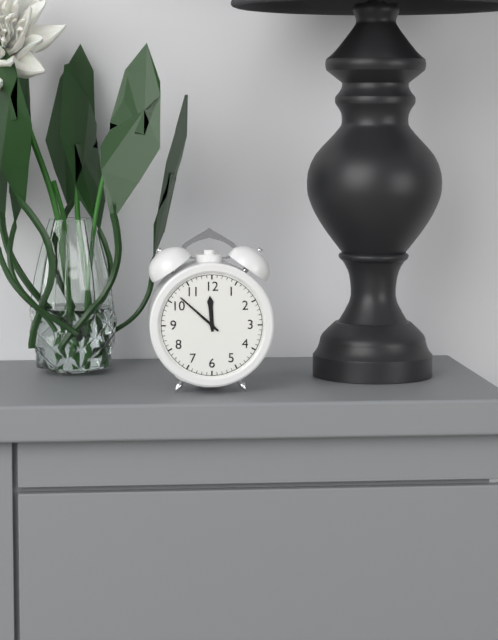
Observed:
11:52
